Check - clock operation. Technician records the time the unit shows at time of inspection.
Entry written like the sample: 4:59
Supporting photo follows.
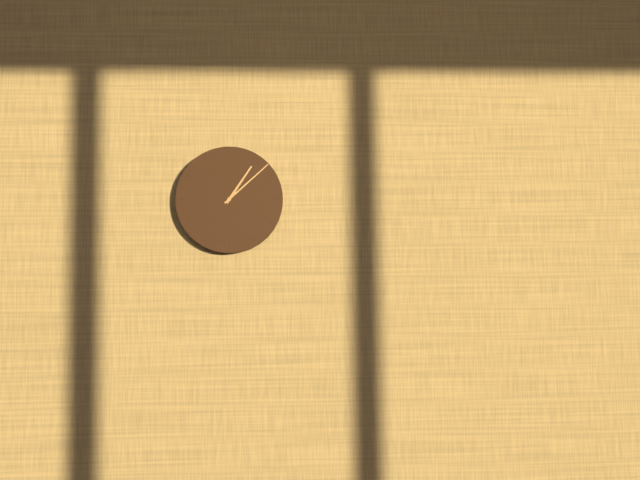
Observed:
1:08
